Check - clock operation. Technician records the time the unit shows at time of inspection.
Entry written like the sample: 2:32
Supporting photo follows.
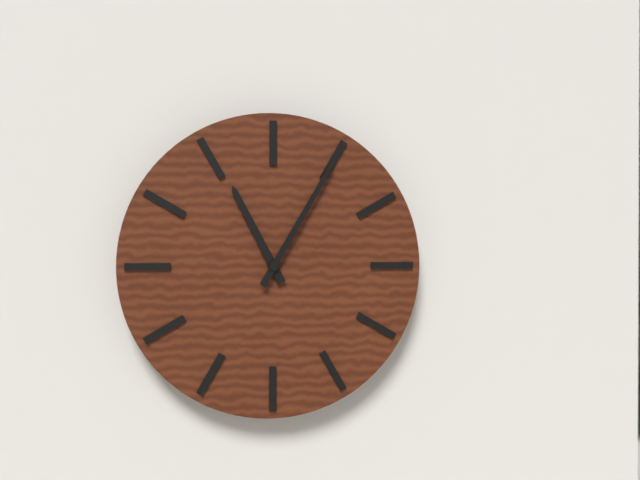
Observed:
11:05
